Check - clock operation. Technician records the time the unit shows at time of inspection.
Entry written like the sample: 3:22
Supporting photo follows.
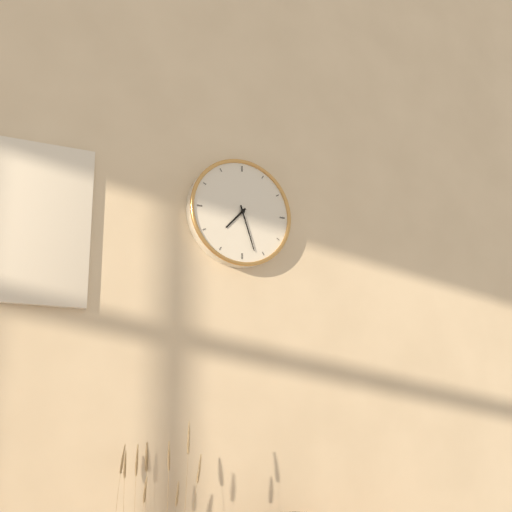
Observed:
7:27
